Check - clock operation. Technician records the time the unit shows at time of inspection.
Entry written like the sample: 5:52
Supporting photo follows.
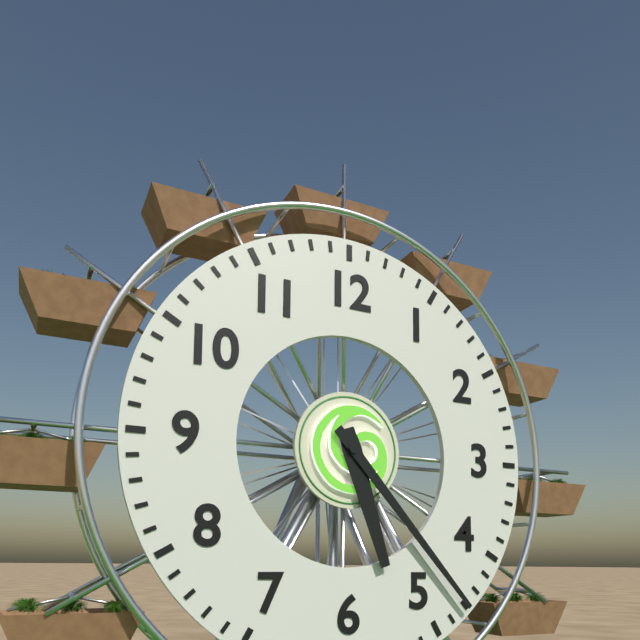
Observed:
5:23
